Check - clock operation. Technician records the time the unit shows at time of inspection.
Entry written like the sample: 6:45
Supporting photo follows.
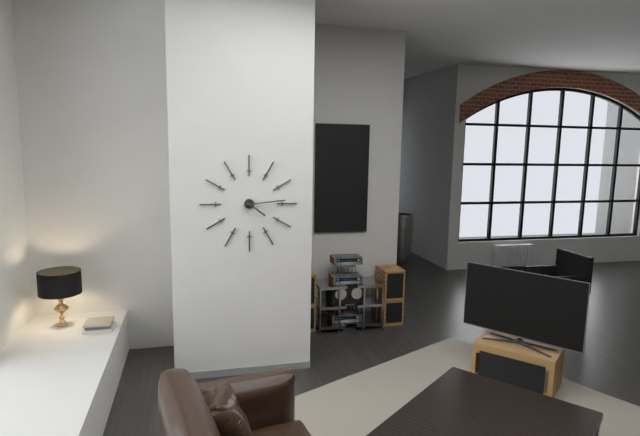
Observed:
4:14
